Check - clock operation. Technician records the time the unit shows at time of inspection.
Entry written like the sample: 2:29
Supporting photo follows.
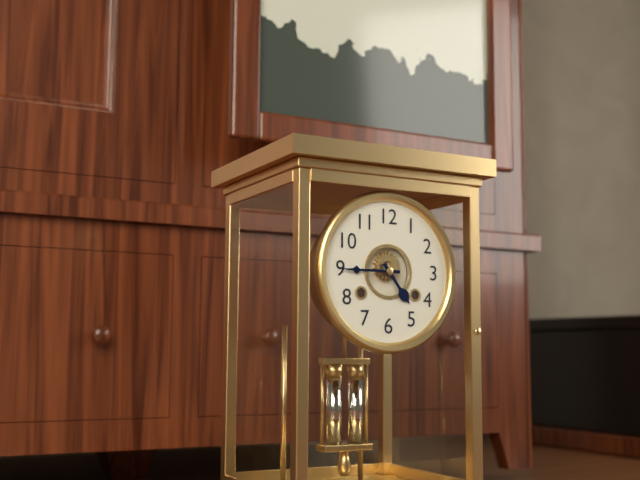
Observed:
4:45
